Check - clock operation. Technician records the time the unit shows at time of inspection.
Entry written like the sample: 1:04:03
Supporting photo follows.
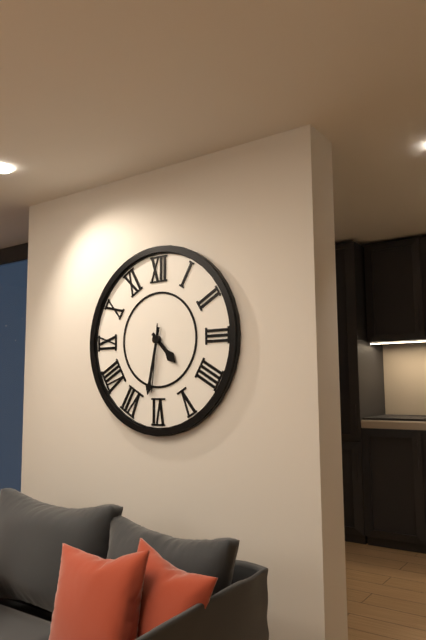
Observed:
4:32:31
